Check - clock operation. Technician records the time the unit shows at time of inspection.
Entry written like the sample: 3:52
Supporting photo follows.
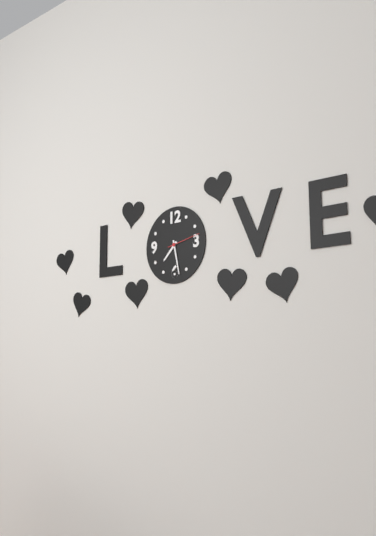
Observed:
7:28
